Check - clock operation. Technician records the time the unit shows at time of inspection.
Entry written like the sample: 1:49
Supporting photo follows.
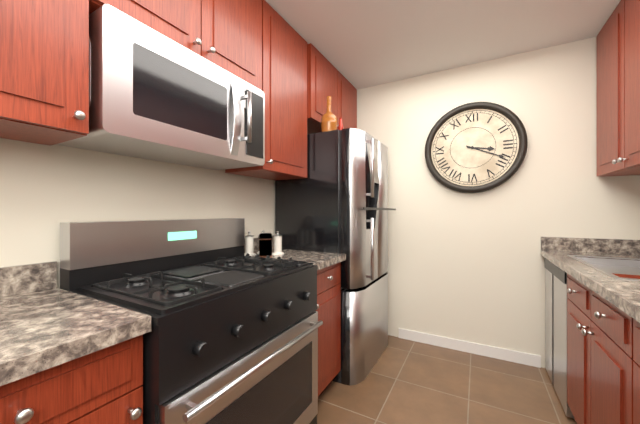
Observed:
3:19
